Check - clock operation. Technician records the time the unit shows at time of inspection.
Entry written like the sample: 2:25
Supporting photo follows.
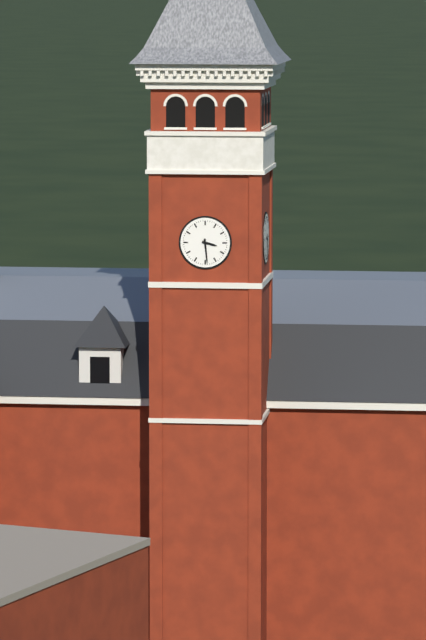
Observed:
3:29
